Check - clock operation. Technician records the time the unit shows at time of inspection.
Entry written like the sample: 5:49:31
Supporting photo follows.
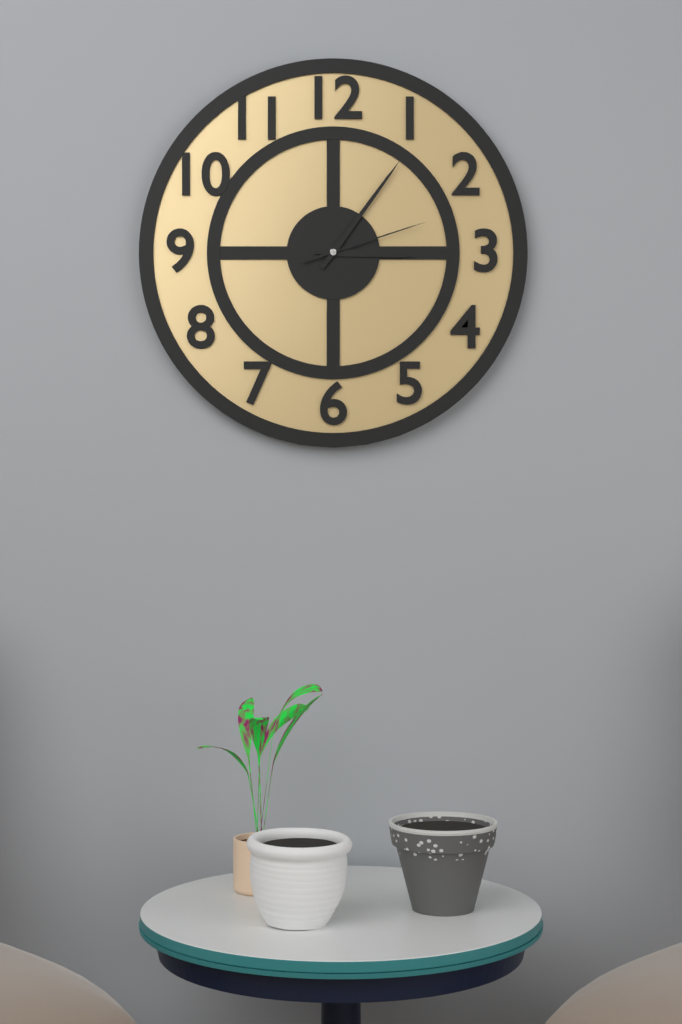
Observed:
3:06:12
